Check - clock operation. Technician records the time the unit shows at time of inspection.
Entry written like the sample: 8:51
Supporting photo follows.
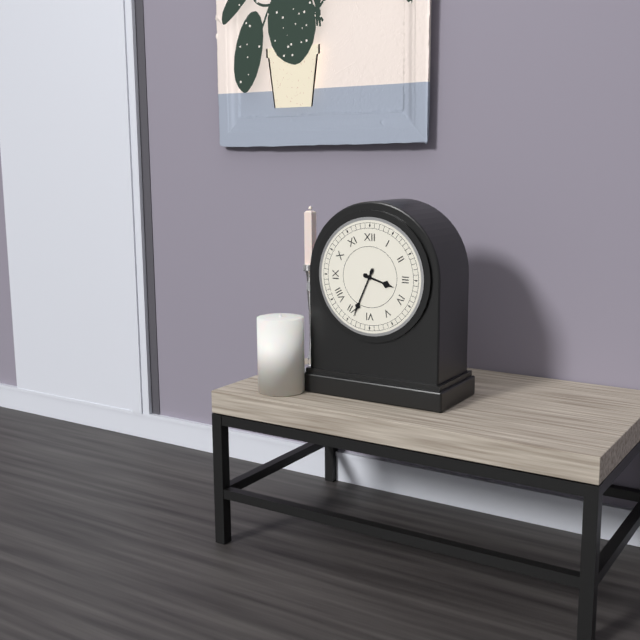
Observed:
3:34
